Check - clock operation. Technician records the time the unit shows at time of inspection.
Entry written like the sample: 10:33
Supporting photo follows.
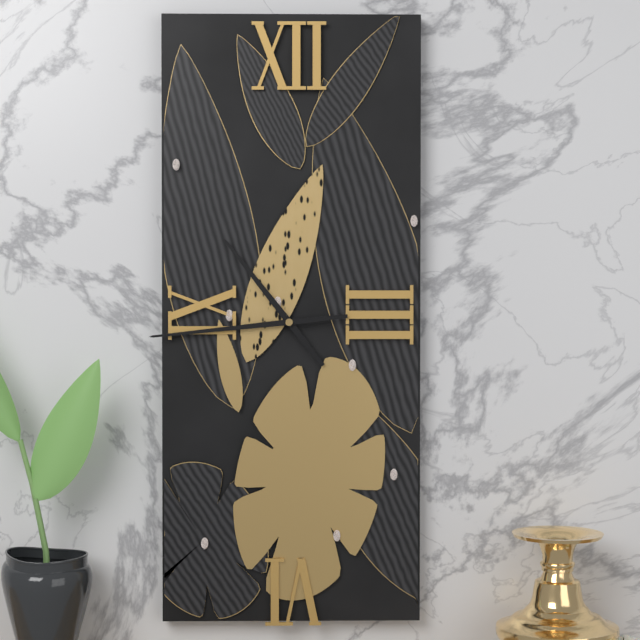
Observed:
10:44
